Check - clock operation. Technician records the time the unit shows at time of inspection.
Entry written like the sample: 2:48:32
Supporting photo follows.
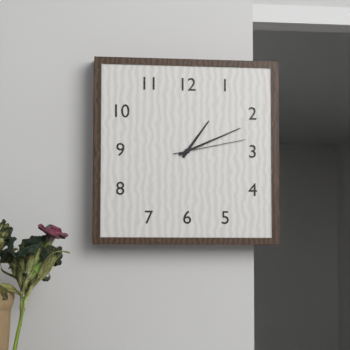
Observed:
1:11:13
